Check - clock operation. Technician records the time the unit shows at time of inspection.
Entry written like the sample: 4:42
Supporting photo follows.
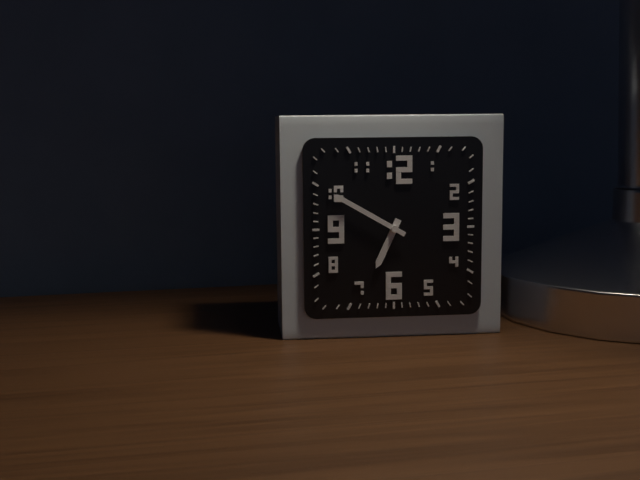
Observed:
6:50
